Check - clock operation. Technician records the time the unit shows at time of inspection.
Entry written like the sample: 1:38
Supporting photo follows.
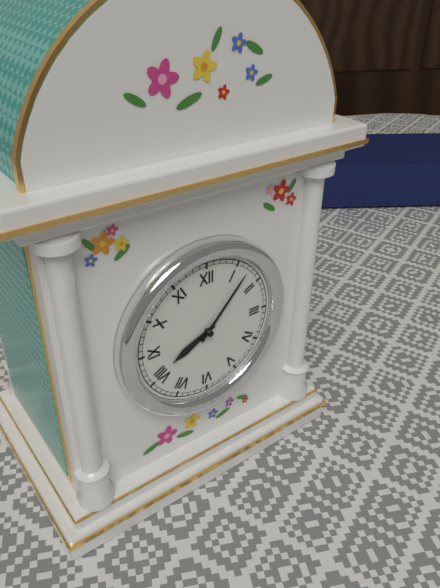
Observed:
8:07
